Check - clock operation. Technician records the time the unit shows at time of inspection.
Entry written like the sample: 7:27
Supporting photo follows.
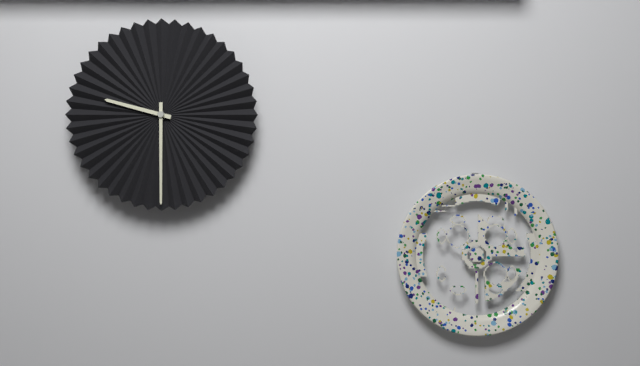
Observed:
9:30
